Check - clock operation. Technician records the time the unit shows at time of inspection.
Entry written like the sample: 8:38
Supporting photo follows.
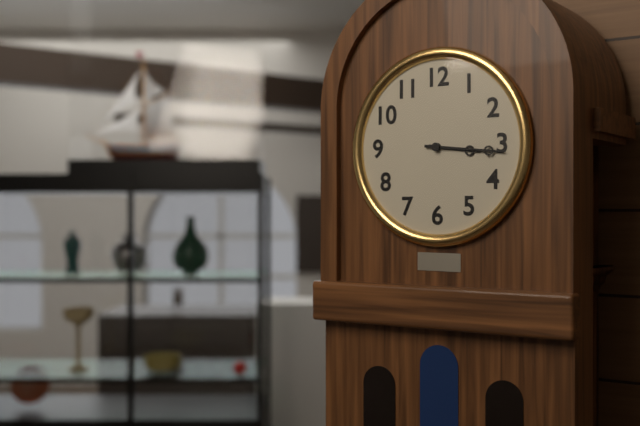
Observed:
3:16
